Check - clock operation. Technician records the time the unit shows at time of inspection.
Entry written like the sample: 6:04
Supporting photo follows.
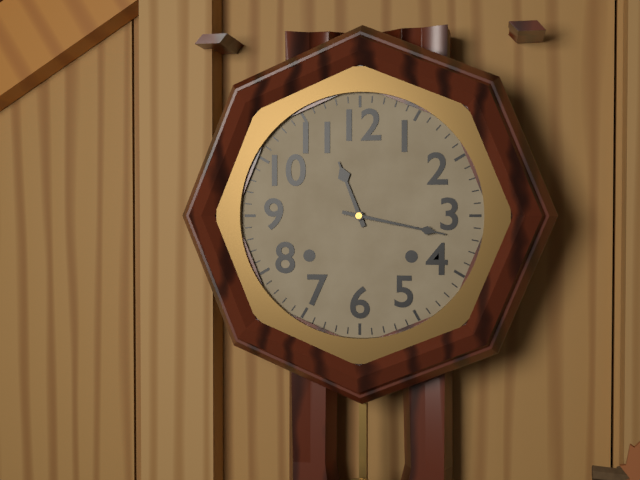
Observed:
11:17
